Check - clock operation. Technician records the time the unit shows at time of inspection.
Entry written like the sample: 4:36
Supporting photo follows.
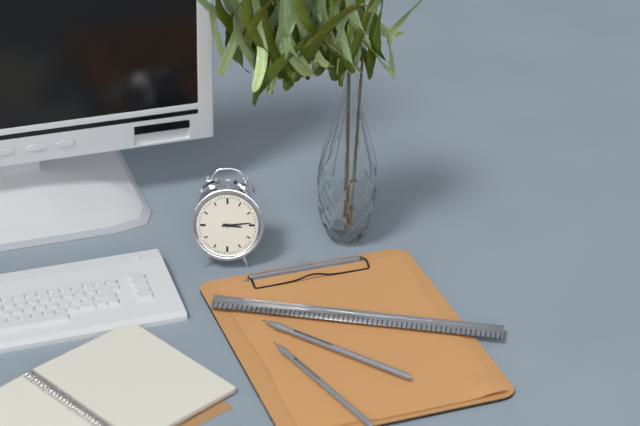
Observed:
3:14
